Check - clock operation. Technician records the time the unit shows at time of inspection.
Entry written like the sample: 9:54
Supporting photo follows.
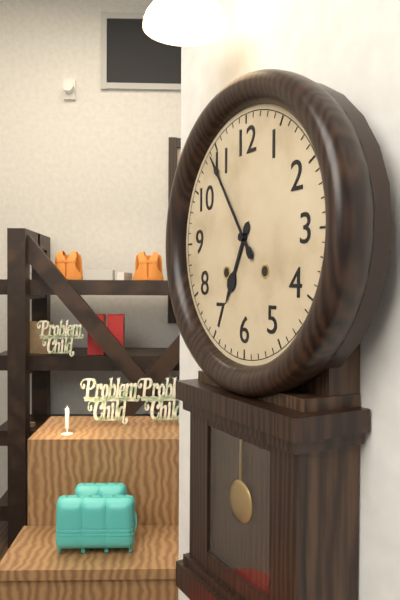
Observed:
6:54
